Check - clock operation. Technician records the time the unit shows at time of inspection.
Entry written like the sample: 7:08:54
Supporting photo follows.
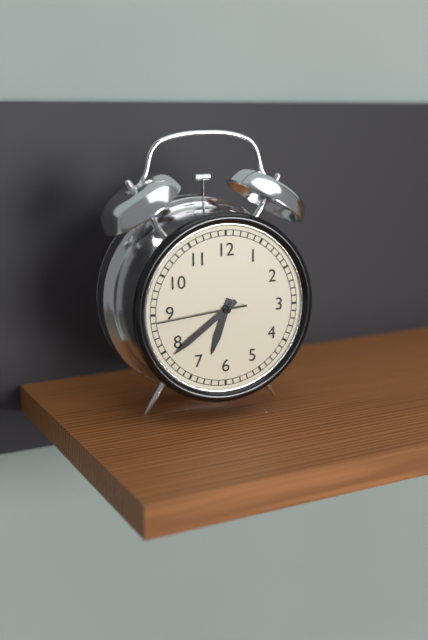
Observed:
6:39:44
